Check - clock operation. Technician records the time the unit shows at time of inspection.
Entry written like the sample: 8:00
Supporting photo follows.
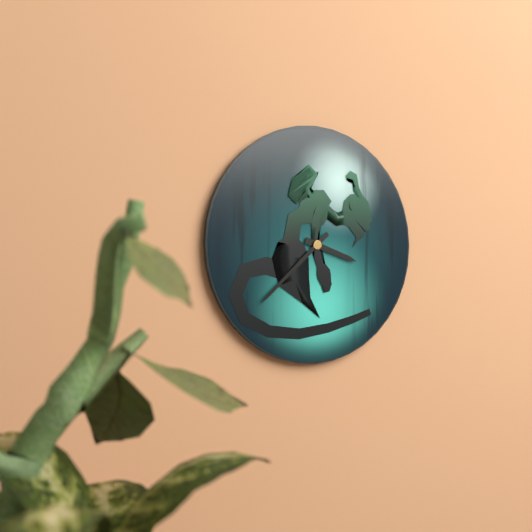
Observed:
3:38
